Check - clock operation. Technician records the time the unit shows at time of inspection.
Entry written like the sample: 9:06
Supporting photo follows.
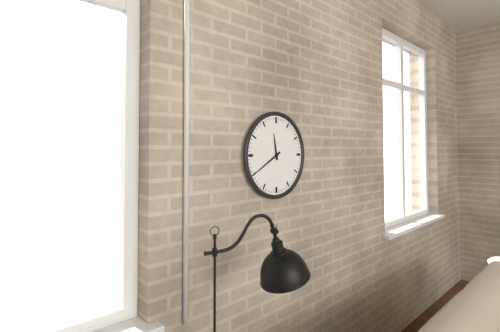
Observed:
11:40
